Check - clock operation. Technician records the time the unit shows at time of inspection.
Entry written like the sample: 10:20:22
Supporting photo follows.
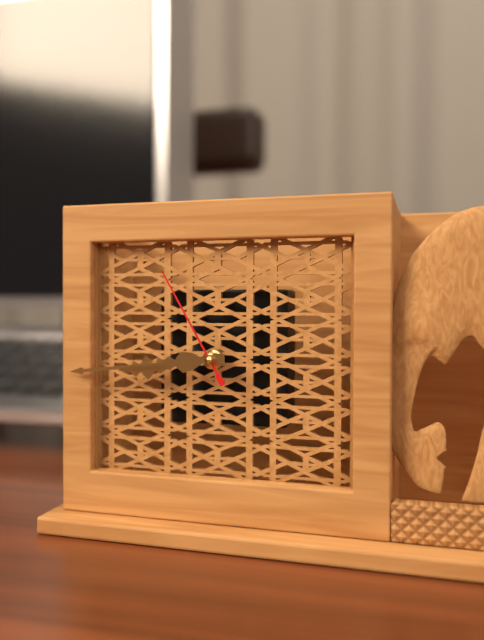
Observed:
8:44:55
